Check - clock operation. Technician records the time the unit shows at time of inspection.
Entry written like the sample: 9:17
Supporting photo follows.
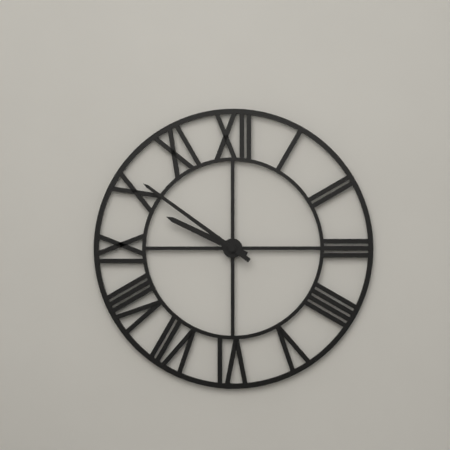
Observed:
9:51
